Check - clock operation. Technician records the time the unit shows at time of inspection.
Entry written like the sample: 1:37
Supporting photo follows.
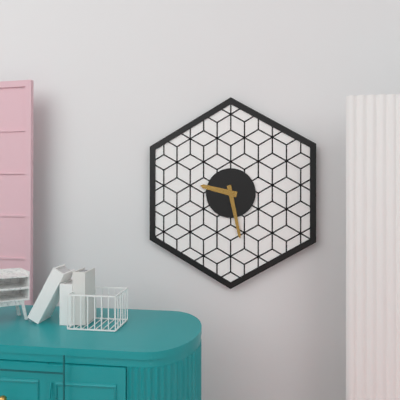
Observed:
9:28
